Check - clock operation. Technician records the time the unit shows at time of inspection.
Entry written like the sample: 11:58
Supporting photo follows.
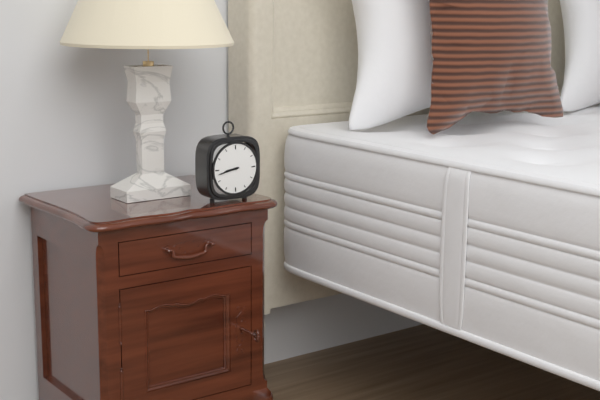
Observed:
8:43
